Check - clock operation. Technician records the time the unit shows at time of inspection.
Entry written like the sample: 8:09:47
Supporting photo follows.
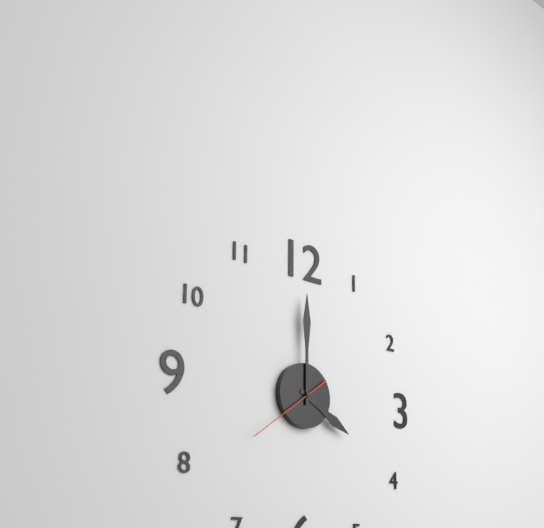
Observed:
4:00:39
